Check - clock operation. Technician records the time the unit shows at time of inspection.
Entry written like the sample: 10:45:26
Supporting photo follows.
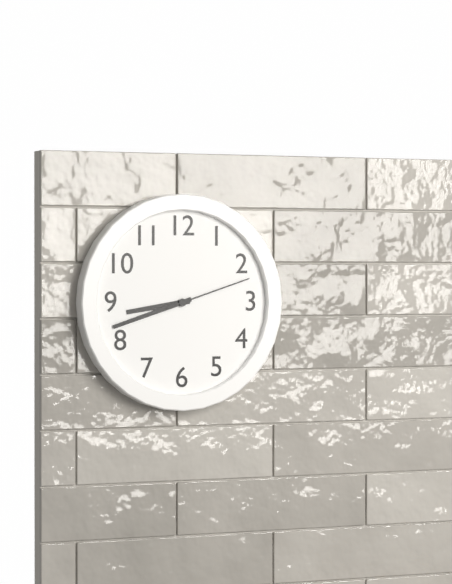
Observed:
8:42:12
